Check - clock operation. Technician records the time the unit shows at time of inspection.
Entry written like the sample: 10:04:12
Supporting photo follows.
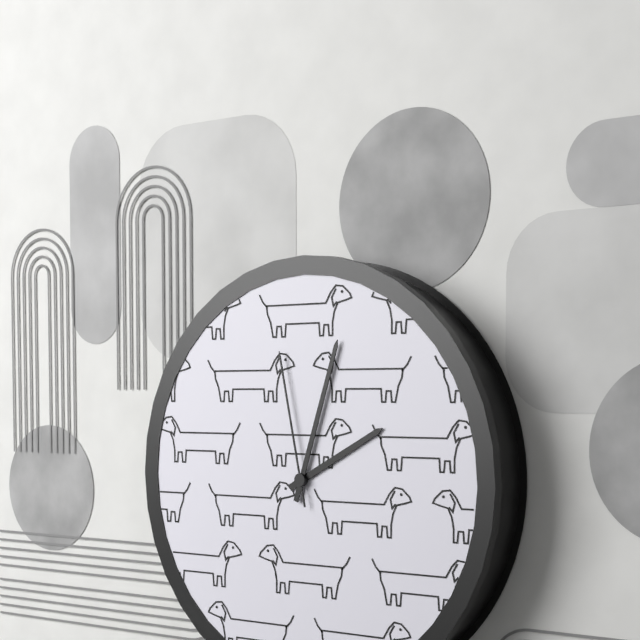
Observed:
2:03:58
